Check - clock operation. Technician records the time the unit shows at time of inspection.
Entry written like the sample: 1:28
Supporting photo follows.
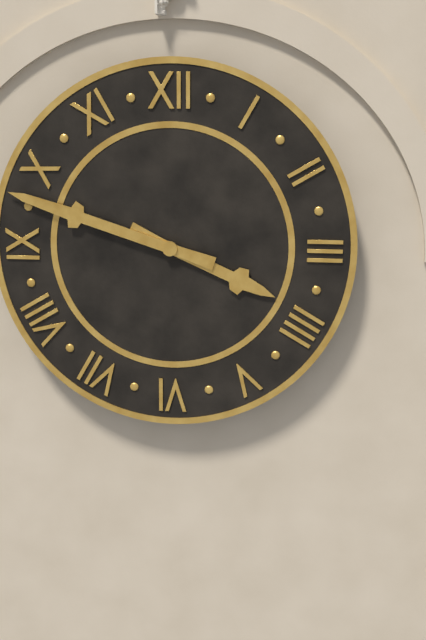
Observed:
3:48
